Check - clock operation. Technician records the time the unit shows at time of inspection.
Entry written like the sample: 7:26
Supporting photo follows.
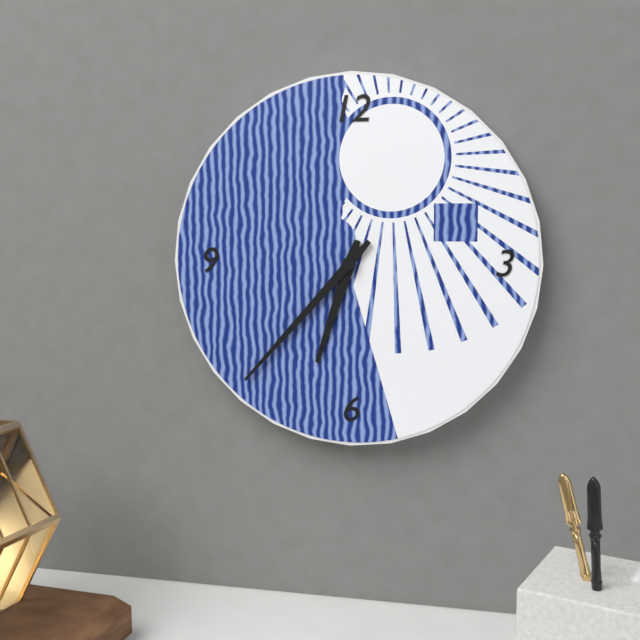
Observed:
6:37
